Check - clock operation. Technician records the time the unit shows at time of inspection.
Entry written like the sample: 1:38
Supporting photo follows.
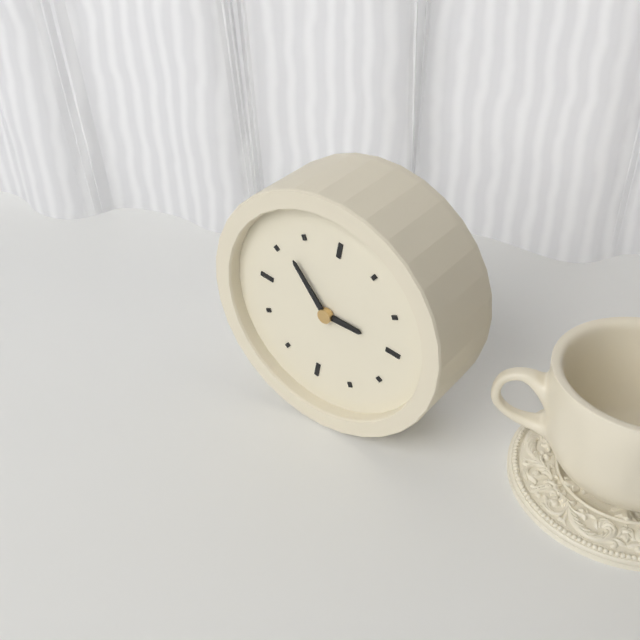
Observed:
2:52
